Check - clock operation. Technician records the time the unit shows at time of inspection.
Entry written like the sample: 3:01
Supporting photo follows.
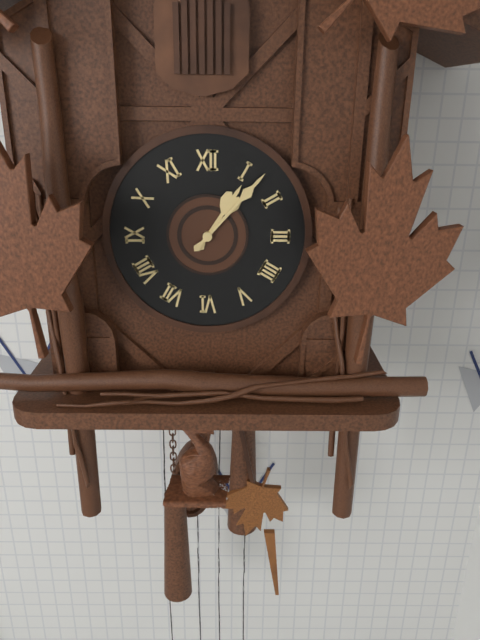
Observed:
1:07
